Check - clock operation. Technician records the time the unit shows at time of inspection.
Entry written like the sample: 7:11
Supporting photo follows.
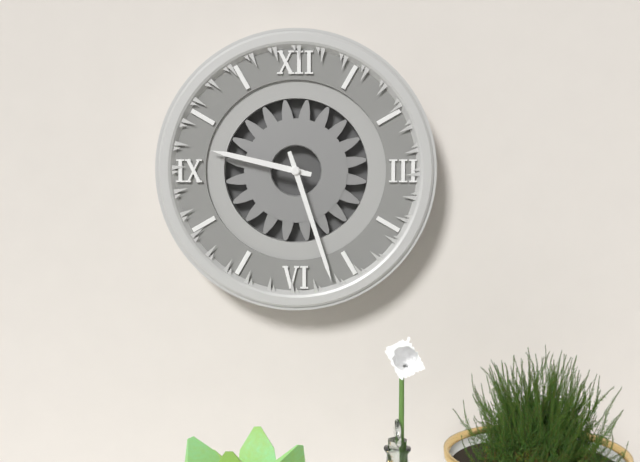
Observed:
9:27
